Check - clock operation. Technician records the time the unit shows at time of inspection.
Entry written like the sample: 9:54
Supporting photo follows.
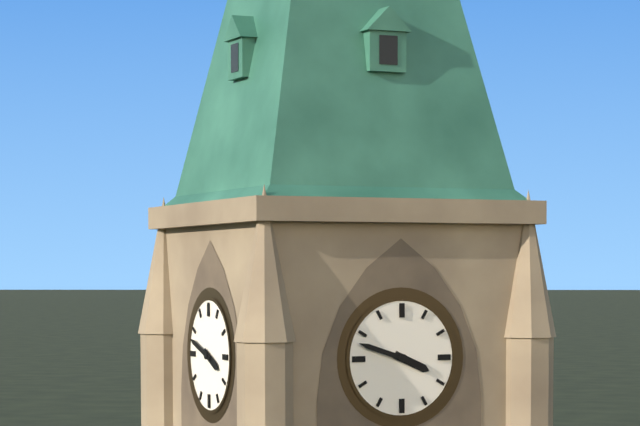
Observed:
3:48
